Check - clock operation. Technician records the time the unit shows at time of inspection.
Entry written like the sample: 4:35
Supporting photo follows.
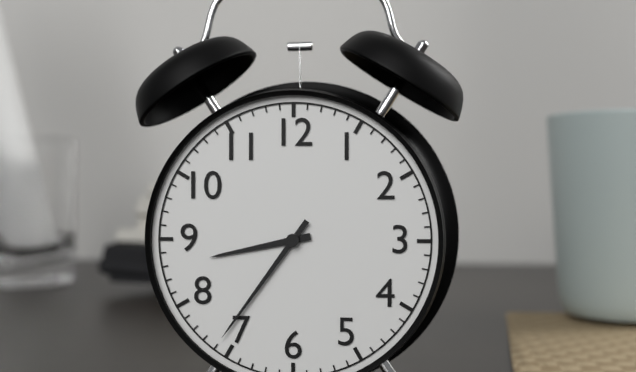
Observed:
8:36
